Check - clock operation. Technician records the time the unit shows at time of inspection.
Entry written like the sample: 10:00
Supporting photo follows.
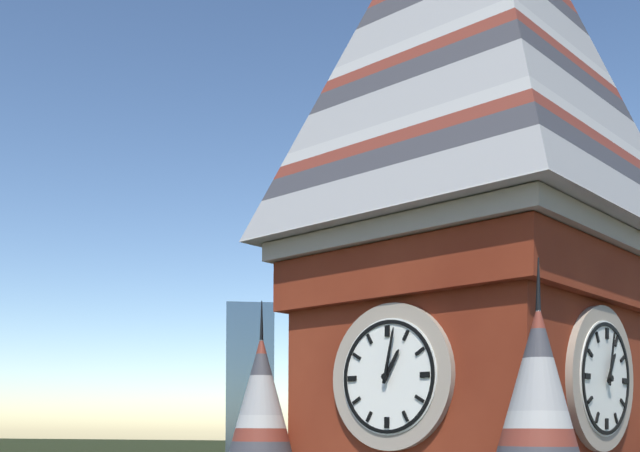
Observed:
1:02
